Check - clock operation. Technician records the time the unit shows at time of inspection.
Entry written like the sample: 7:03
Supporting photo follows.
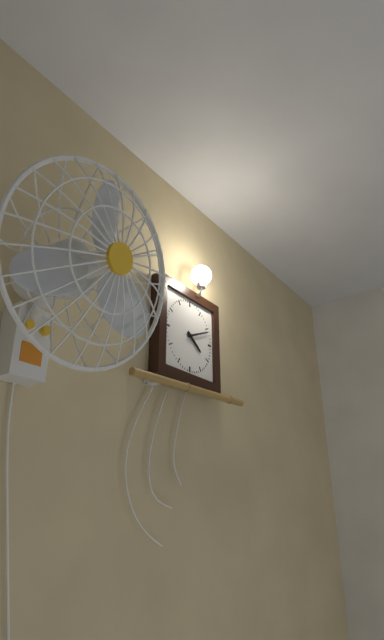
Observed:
4:11
